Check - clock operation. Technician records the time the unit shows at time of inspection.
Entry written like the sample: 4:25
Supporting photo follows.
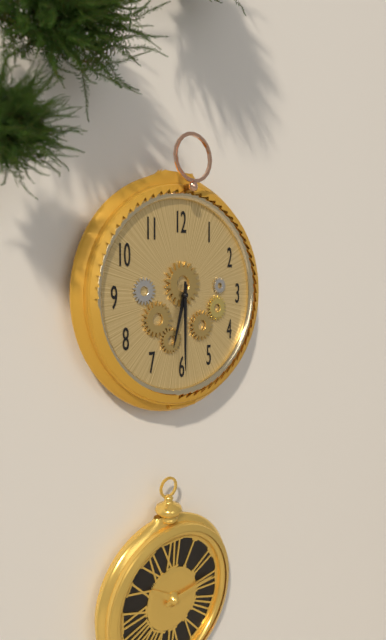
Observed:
6:30
